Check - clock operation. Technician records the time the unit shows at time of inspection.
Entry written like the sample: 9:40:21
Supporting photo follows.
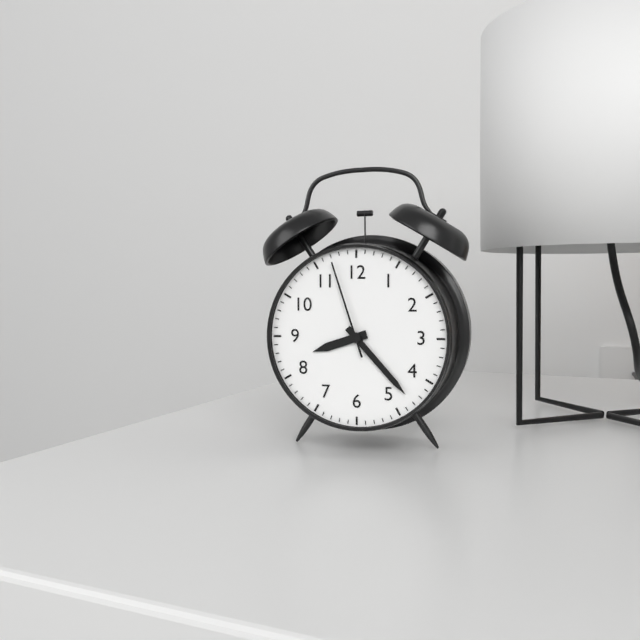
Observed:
8:23:57
